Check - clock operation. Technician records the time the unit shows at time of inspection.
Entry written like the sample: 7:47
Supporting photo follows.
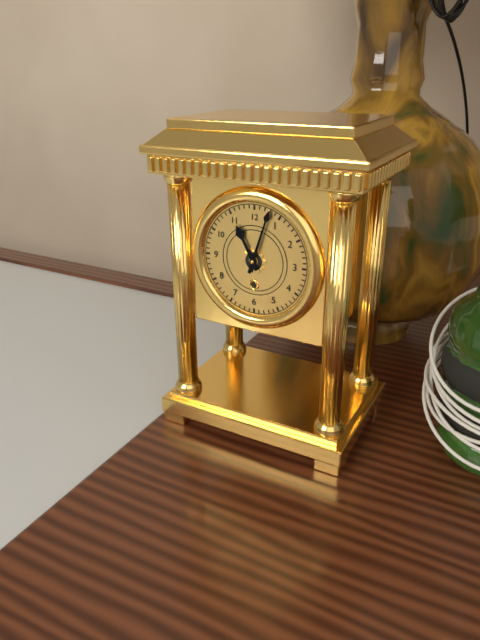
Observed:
11:03
